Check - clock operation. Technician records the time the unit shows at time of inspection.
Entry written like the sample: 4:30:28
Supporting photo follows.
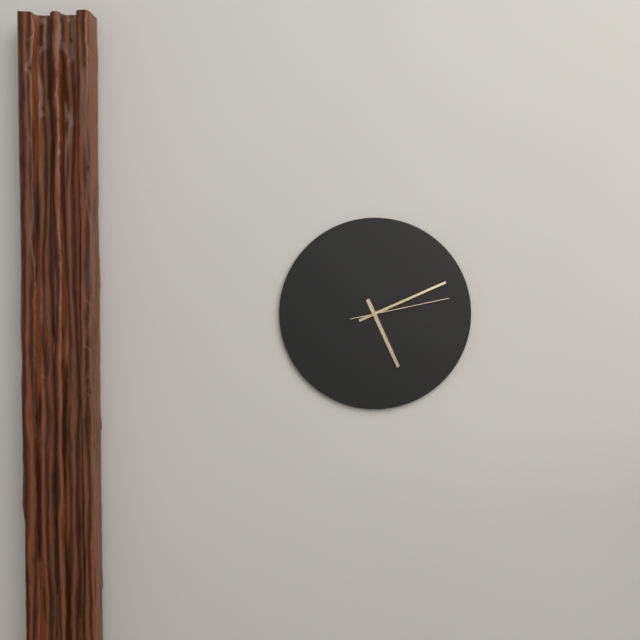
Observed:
5:11:13
